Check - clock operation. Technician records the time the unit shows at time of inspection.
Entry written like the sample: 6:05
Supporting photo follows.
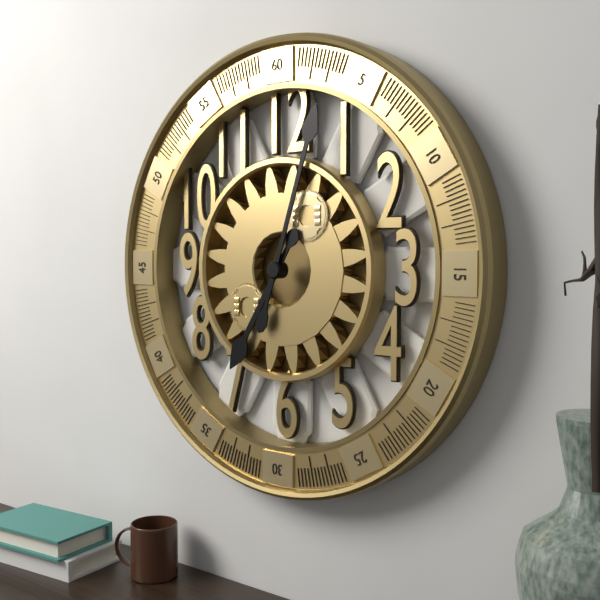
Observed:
7:03
